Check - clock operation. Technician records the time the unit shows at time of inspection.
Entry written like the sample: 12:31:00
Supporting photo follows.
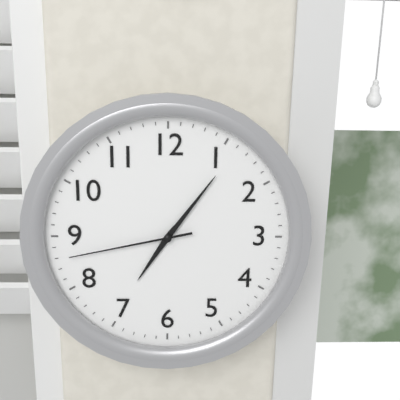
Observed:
7:06:43
